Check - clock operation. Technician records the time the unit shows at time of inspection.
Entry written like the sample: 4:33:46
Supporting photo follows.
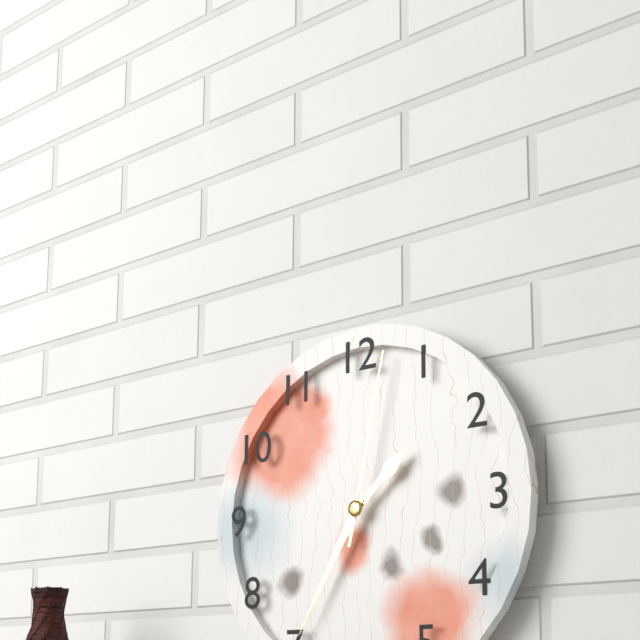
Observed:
1:35:02
